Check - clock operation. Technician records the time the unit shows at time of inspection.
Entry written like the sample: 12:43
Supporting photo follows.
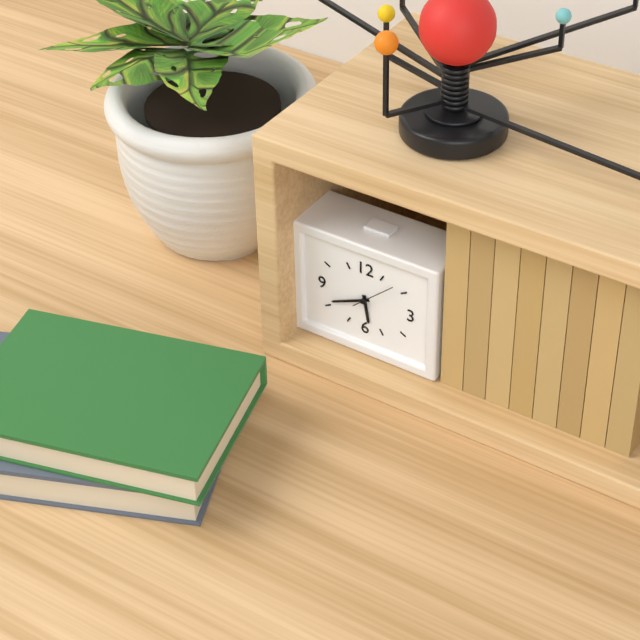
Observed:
5:41
